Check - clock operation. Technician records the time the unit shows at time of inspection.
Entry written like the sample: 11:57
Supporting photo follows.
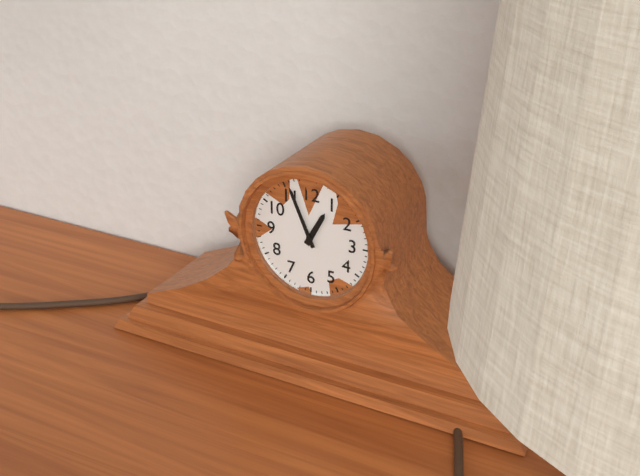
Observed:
12:56
